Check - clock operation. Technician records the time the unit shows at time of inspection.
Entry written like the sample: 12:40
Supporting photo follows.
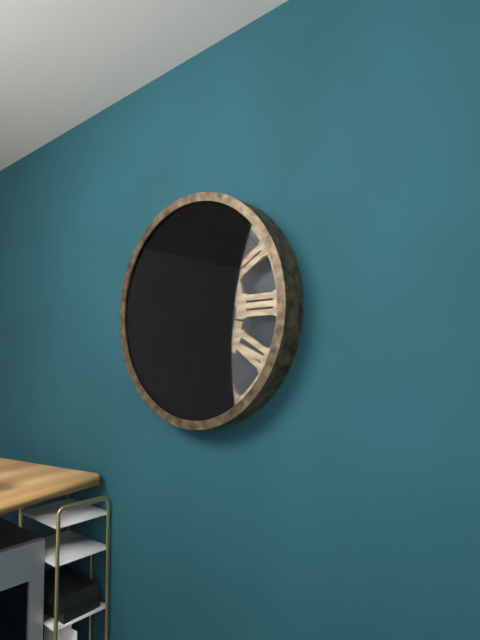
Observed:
5:17
